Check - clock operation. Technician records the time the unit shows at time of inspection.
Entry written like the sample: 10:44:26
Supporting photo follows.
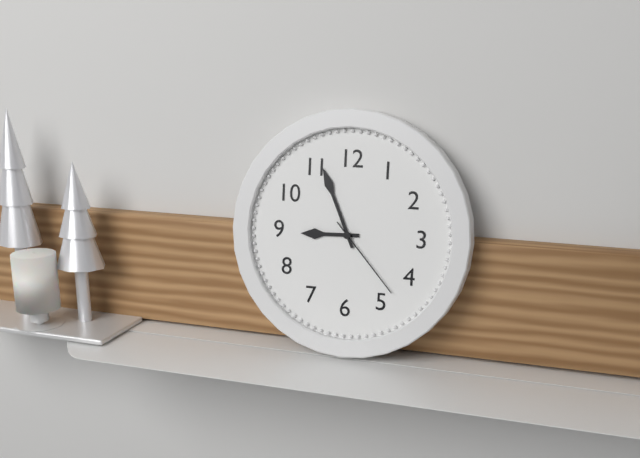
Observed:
8:56:23
